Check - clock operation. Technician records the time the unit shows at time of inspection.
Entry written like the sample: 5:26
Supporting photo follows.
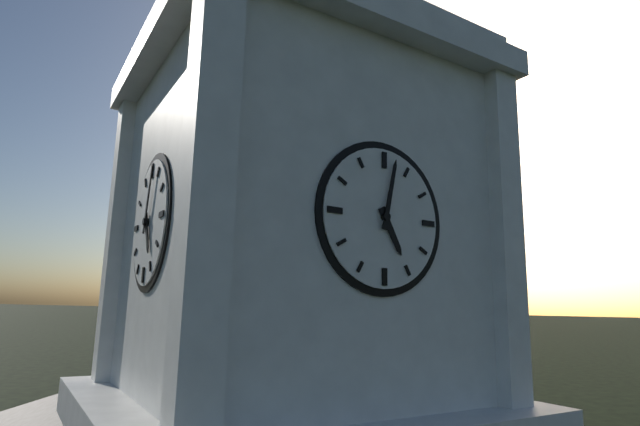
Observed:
5:02
